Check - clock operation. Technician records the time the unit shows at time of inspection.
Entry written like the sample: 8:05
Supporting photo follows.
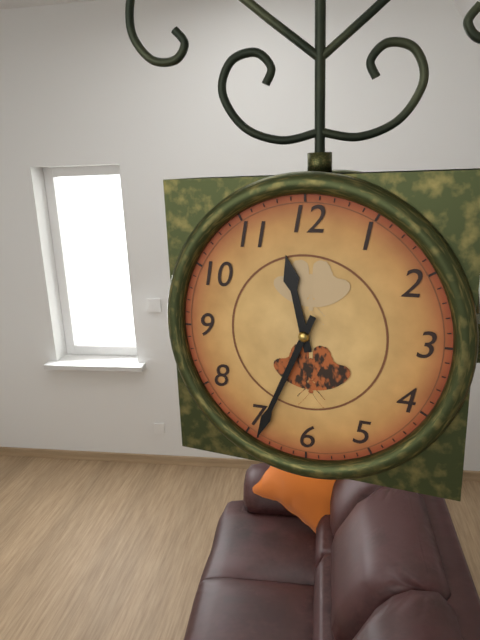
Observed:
11:34
